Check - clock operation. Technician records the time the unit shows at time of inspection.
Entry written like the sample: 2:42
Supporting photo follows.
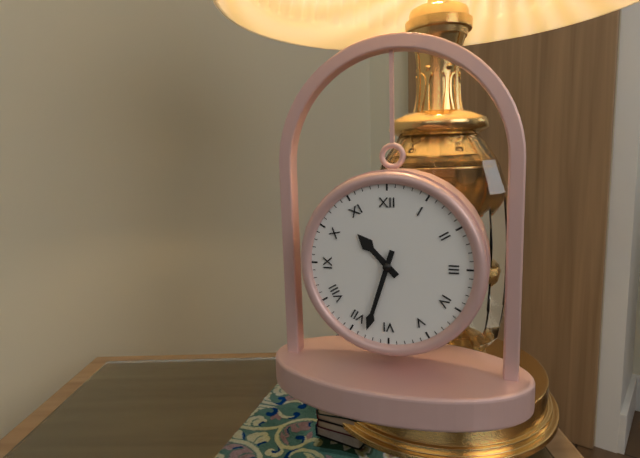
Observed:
10:33
